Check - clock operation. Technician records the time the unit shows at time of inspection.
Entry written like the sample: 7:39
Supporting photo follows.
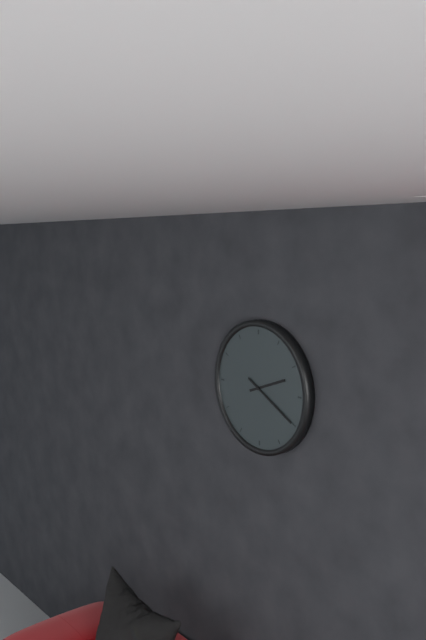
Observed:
2:20
